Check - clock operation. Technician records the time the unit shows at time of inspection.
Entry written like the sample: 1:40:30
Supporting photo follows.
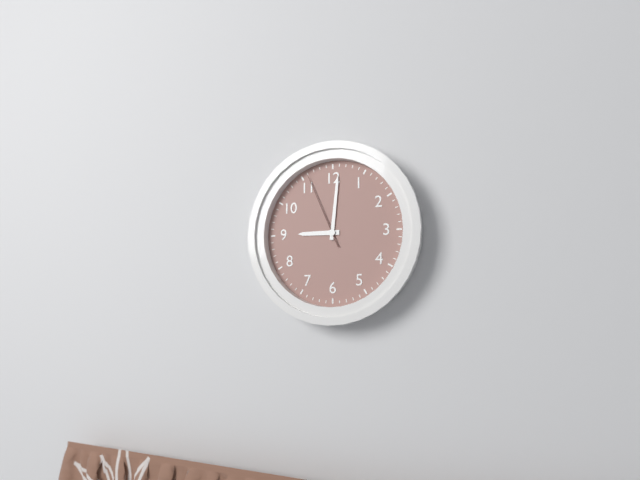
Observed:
9:01:56
